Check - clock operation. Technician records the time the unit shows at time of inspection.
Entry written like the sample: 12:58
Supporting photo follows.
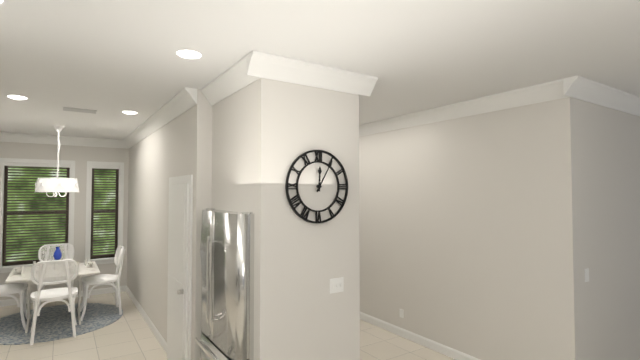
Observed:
12:05
